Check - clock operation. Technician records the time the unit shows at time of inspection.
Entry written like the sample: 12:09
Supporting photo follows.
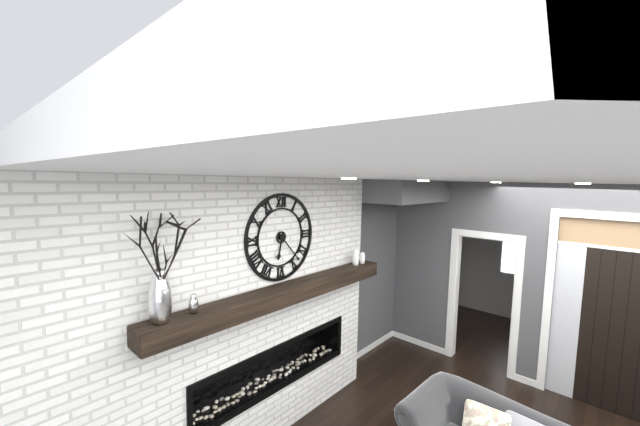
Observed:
6:23
